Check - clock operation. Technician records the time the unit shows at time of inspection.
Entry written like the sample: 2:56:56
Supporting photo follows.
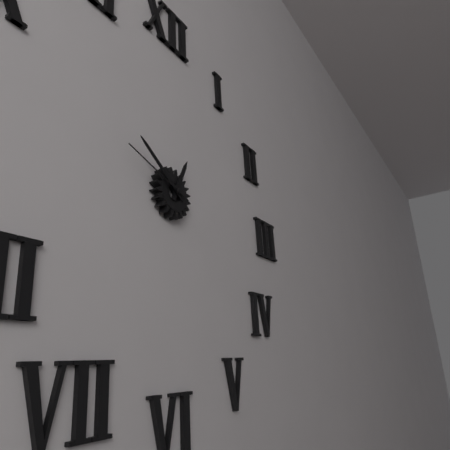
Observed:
12:51:48
